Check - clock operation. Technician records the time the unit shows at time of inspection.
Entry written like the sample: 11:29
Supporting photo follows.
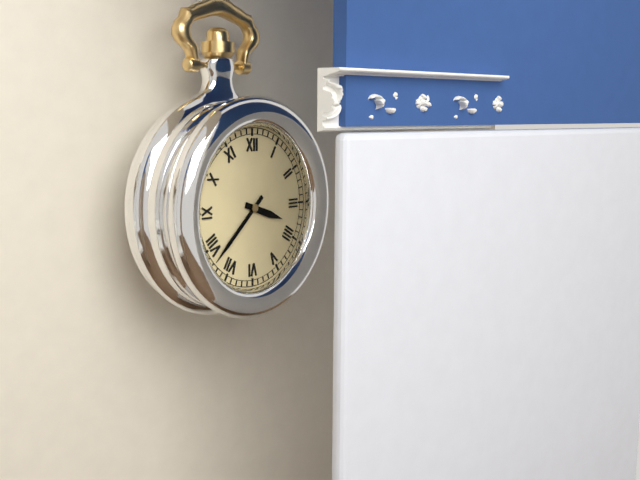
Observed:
3:38
